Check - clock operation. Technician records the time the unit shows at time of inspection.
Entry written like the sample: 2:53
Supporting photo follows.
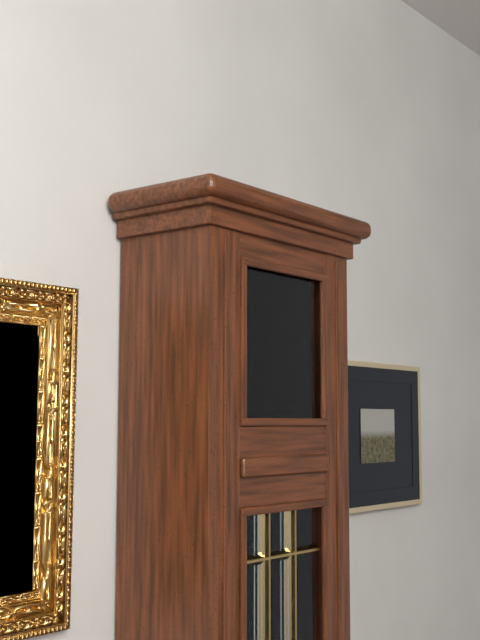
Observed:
5:57
